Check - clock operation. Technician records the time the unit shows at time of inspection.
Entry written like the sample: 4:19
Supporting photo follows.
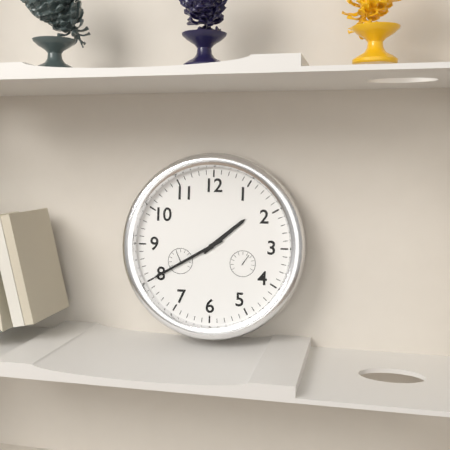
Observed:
1:40
